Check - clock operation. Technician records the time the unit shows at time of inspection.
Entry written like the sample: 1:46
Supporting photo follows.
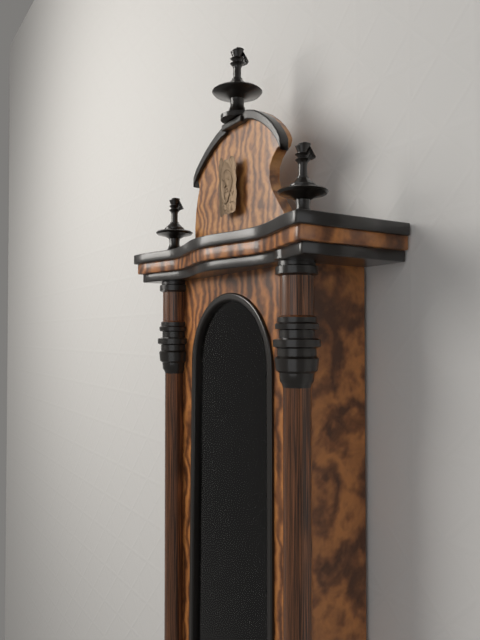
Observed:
9:05
